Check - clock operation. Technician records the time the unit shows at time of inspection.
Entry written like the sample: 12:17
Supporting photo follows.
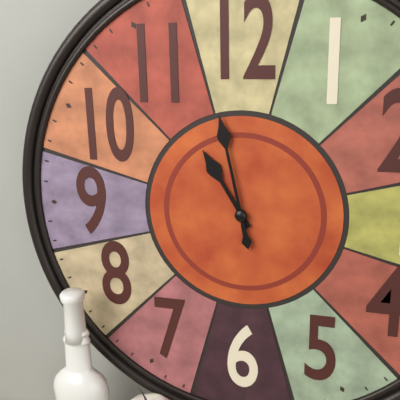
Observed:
10:58
